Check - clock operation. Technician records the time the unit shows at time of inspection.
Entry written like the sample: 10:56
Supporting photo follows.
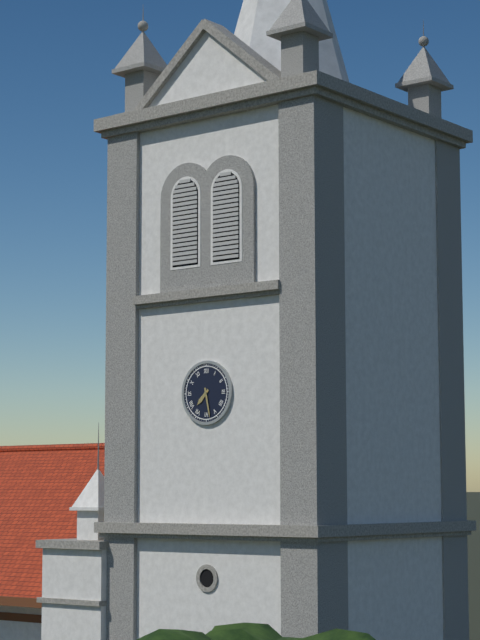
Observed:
7:28
